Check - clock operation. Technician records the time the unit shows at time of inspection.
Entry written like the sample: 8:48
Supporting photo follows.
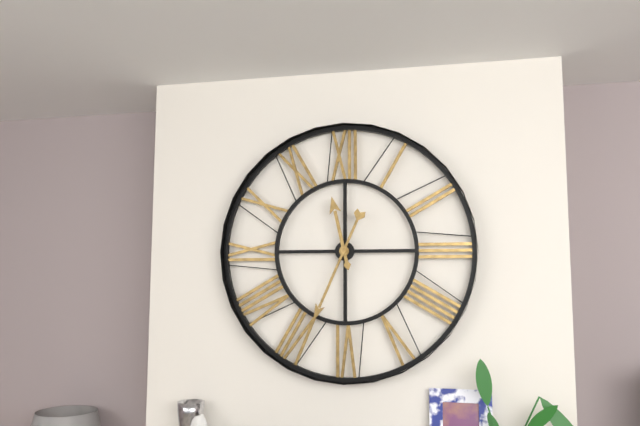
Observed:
11:34
